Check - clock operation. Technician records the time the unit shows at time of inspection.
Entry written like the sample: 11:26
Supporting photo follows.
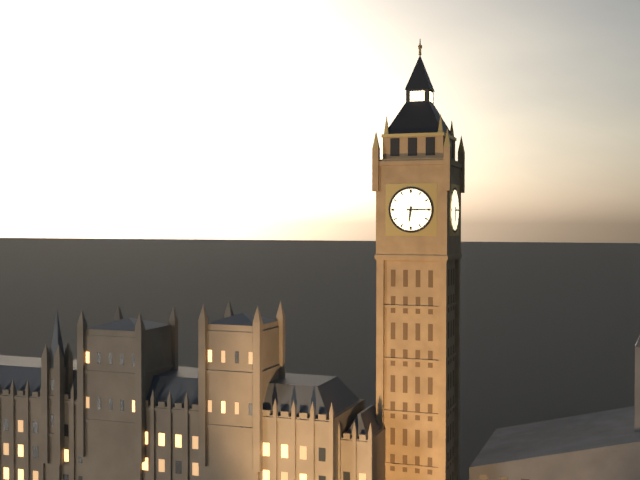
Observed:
6:15
